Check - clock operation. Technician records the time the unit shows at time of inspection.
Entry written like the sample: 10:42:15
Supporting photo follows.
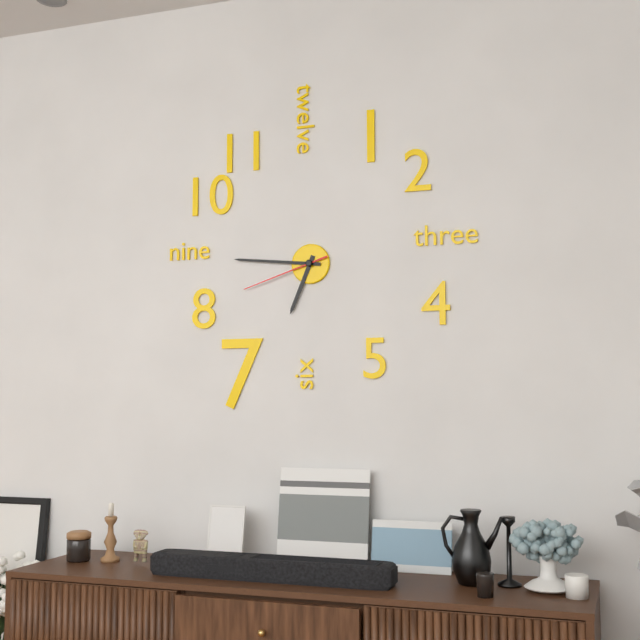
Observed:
6:46:42
